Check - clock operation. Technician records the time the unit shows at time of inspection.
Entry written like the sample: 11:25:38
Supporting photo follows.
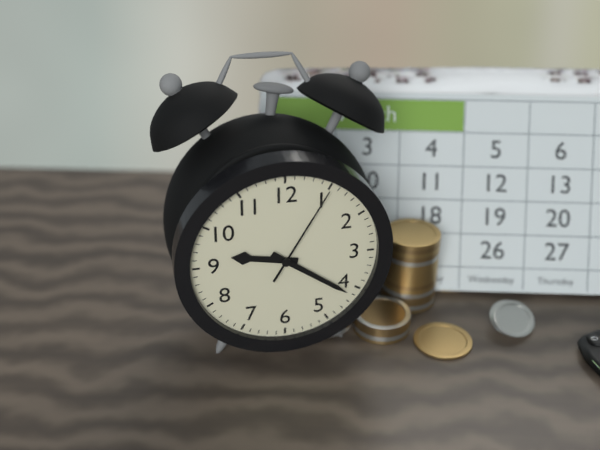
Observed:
9:21:05
